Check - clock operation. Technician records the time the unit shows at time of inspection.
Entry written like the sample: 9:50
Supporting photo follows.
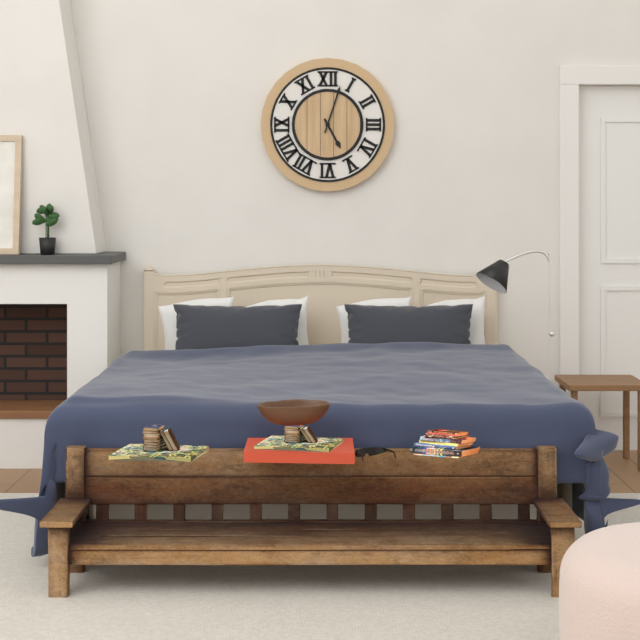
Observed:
5:03
